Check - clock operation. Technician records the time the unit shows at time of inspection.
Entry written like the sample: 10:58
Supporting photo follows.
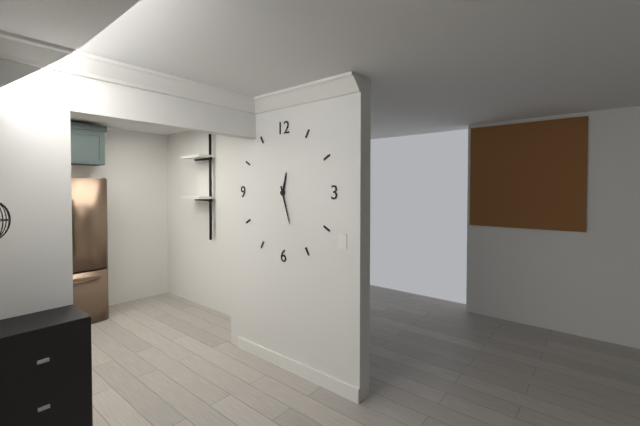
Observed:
12:27
